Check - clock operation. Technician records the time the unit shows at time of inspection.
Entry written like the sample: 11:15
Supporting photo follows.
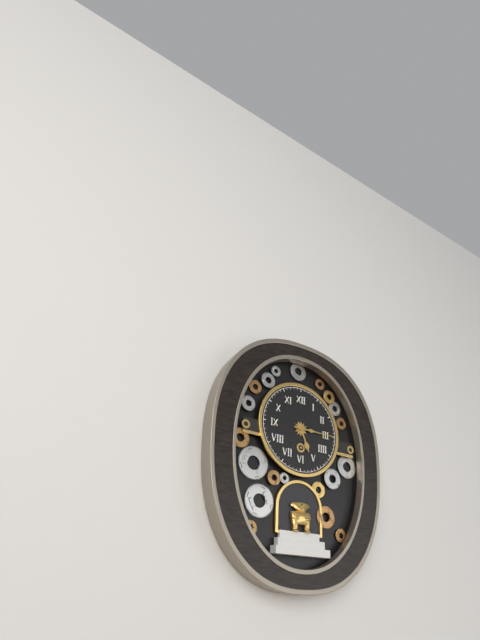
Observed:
5:15
